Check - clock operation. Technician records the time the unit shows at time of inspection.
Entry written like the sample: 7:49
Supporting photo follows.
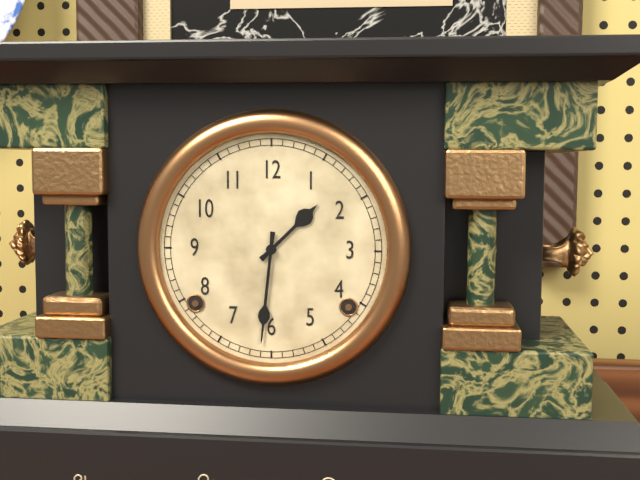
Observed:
1:31
